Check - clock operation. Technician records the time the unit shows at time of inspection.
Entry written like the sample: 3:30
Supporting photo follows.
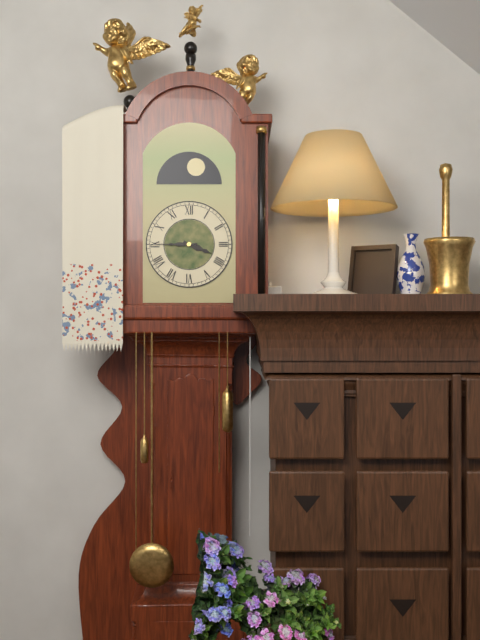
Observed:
3:45
